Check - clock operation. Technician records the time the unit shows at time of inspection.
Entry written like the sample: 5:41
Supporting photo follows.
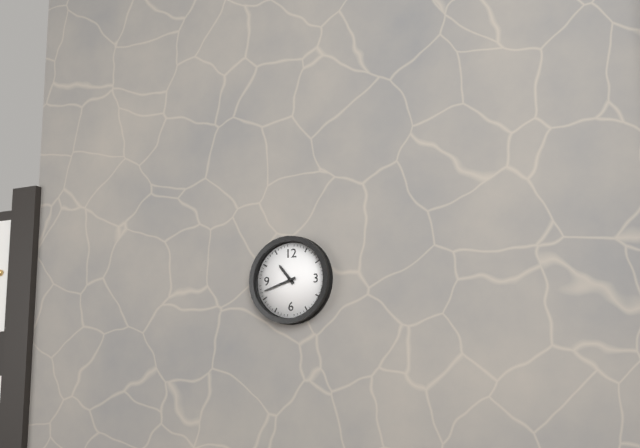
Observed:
10:42
